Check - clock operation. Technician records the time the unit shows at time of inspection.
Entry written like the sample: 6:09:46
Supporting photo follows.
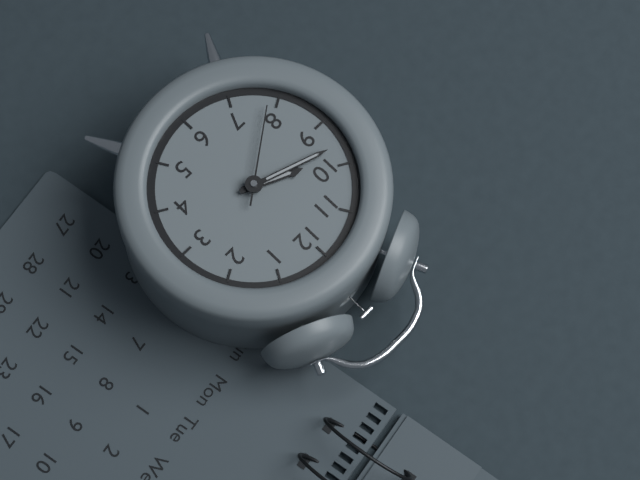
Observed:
9:48:39
